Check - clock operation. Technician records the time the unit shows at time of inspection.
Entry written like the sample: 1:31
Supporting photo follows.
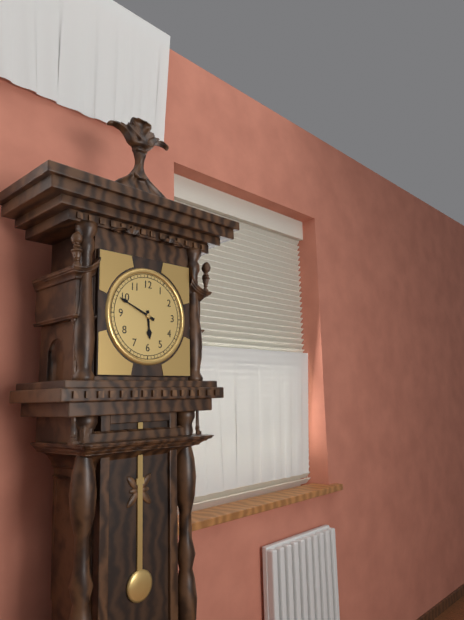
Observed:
5:49
